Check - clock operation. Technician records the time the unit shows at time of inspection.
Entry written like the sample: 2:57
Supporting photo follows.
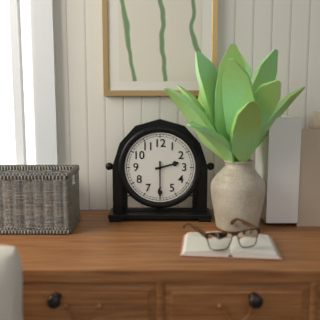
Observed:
2:30
